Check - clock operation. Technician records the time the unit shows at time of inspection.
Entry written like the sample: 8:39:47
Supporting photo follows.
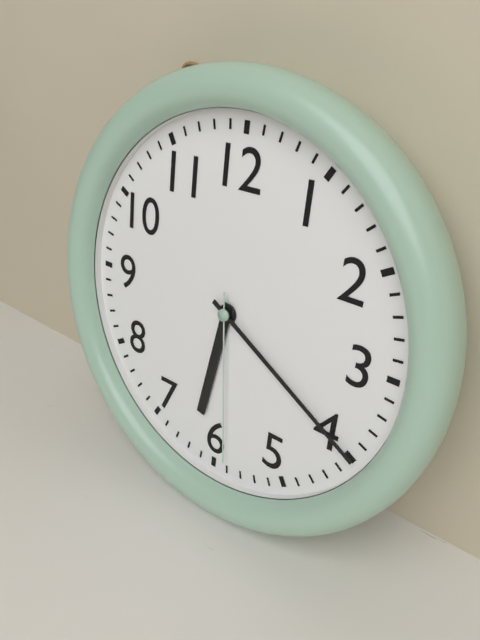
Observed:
6:20:29
